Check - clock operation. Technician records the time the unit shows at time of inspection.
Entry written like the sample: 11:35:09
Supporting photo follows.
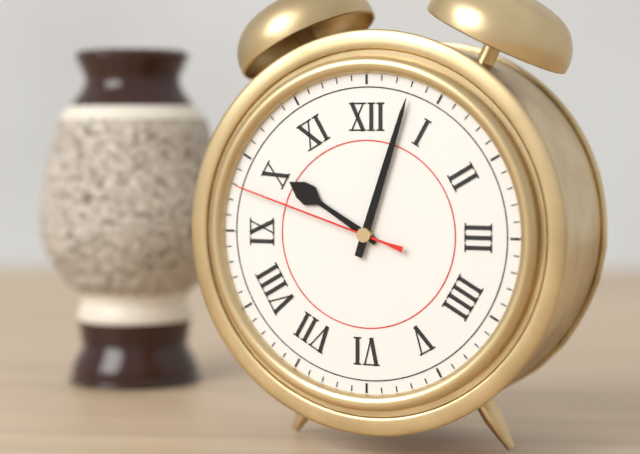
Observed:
10:03:48
